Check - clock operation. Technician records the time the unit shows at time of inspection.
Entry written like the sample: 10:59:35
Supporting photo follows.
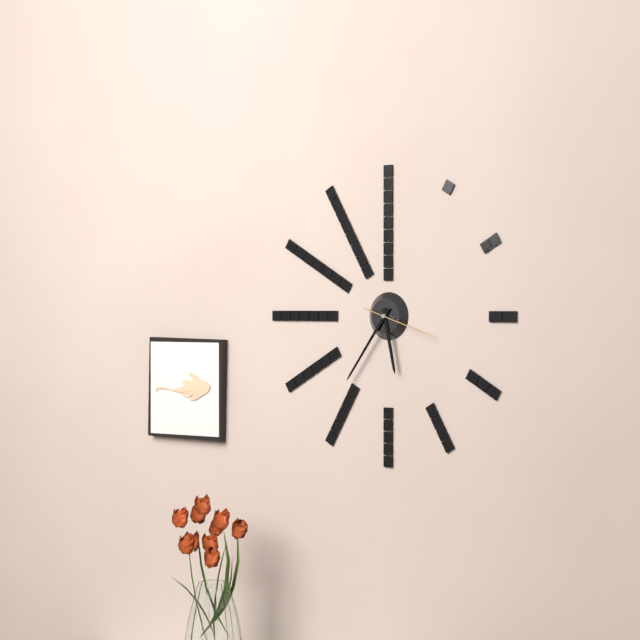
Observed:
5:36:18
